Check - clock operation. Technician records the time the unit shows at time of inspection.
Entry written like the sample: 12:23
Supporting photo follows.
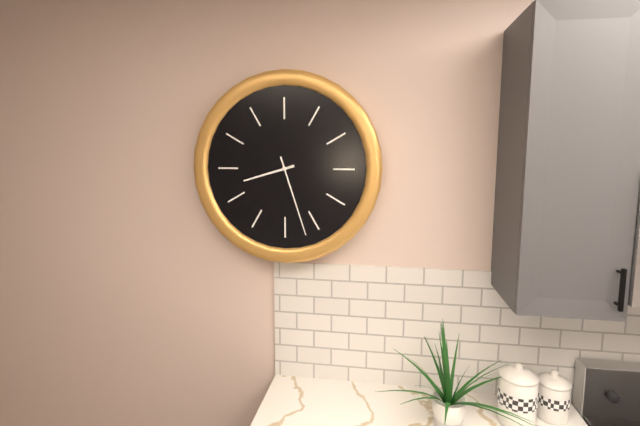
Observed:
8:27
